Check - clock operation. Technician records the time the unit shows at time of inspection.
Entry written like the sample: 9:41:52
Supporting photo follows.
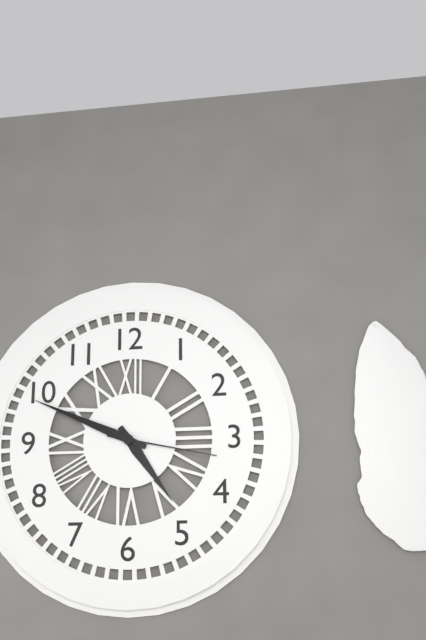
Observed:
4:49:17
